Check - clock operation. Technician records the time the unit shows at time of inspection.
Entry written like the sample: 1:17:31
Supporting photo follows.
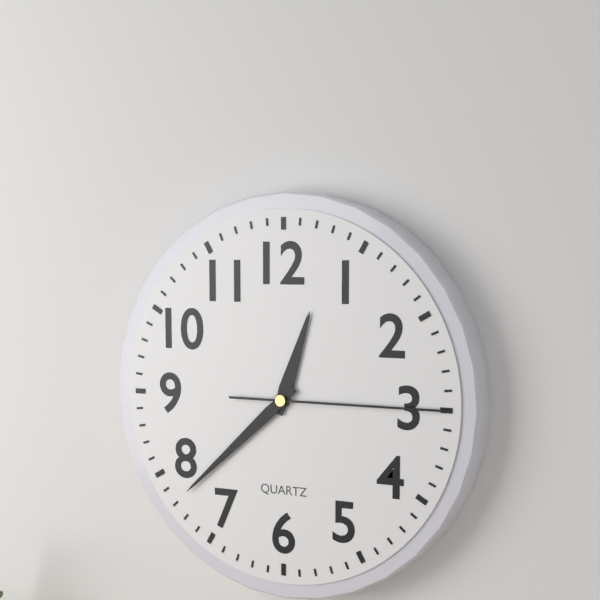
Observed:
12:38:15
